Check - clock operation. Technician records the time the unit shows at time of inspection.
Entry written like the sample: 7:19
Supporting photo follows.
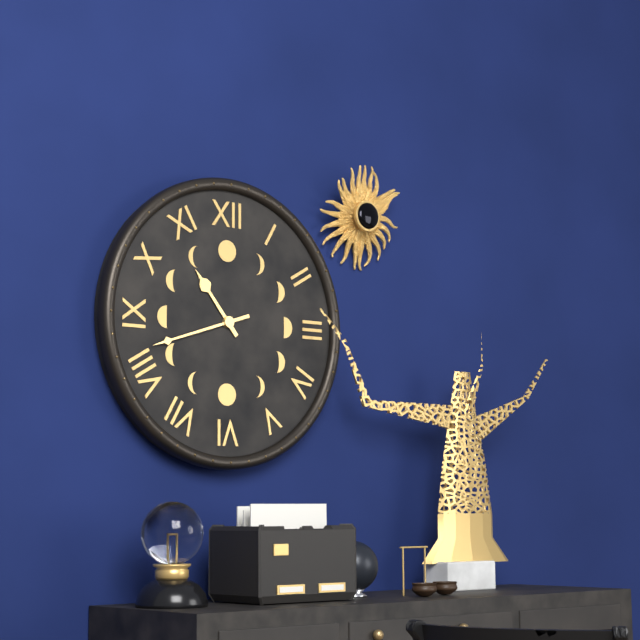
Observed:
10:42
